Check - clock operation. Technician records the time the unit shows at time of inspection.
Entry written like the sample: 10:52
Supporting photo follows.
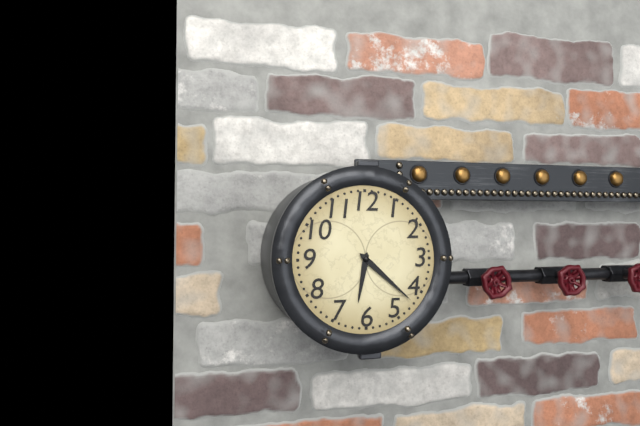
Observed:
6:22
